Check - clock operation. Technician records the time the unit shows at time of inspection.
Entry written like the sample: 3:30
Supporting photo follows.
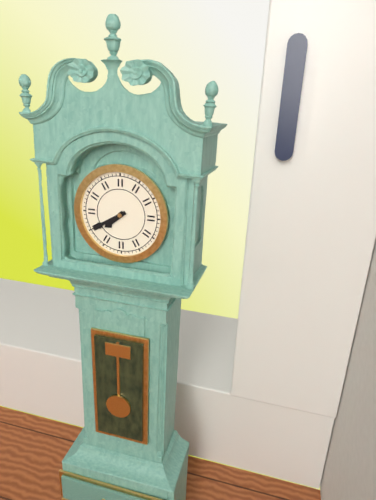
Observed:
7:40
